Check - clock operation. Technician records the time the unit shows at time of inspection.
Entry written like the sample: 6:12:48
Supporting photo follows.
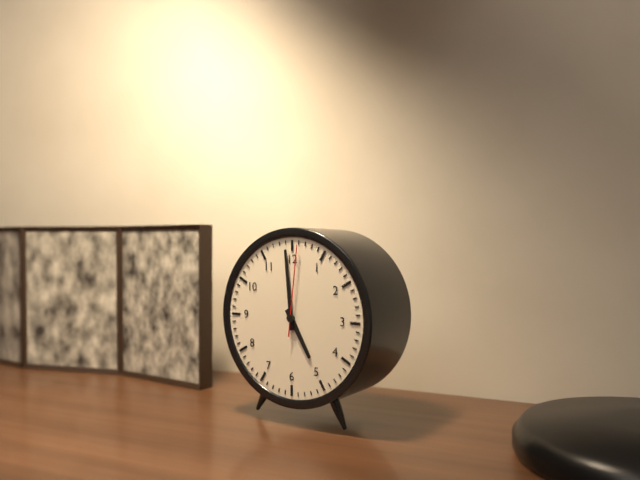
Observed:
4:59:01
